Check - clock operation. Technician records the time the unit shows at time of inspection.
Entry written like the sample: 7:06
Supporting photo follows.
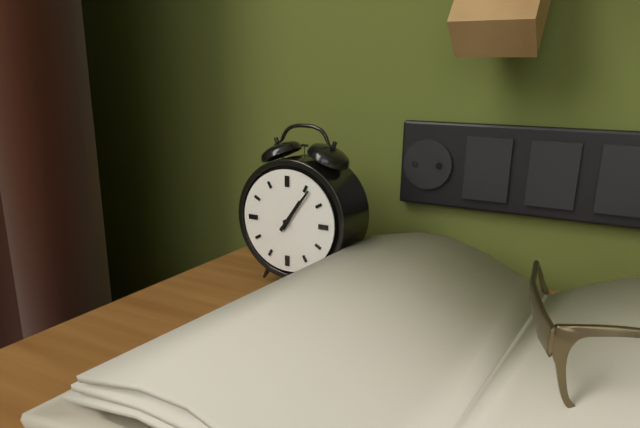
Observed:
1:06
